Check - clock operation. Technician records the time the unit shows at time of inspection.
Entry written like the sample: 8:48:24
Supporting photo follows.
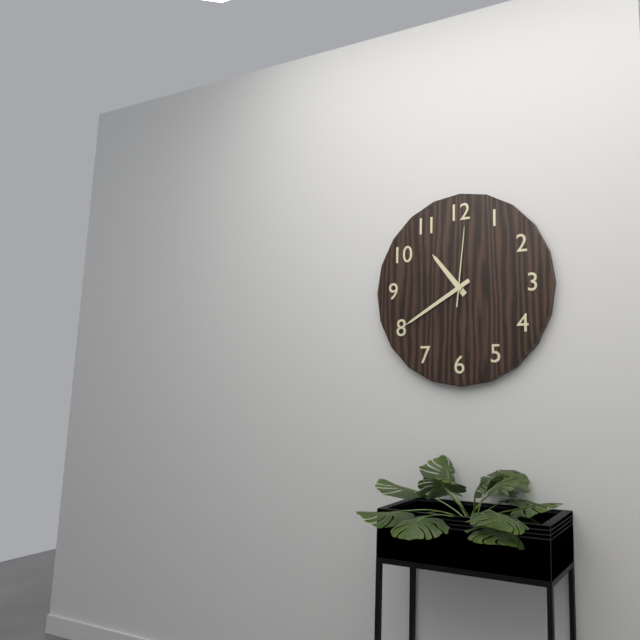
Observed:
10:40:01
